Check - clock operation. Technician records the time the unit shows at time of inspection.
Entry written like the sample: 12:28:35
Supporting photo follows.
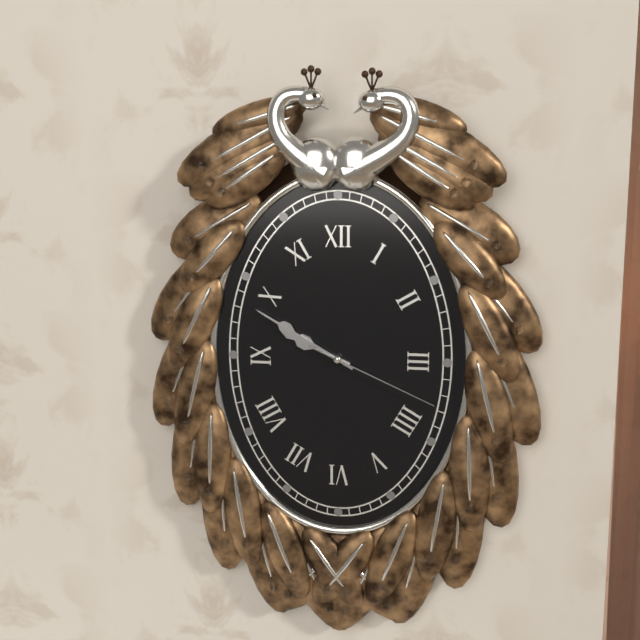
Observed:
9:50:19
